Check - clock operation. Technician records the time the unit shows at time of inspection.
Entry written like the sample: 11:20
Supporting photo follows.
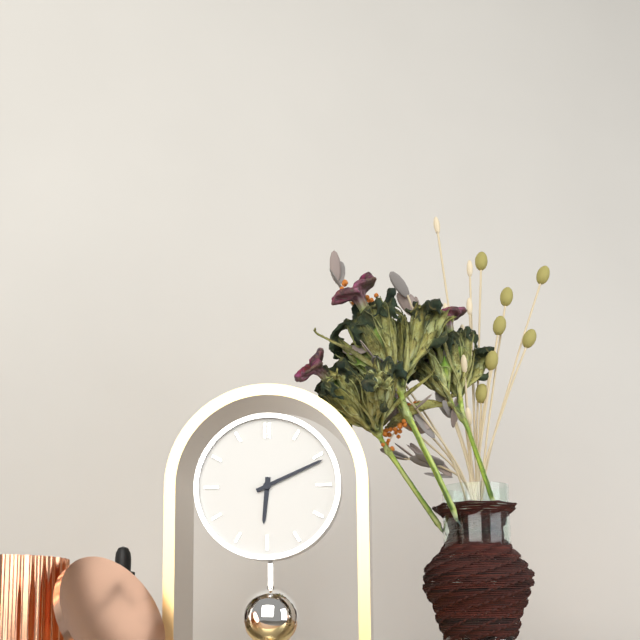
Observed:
6:11
